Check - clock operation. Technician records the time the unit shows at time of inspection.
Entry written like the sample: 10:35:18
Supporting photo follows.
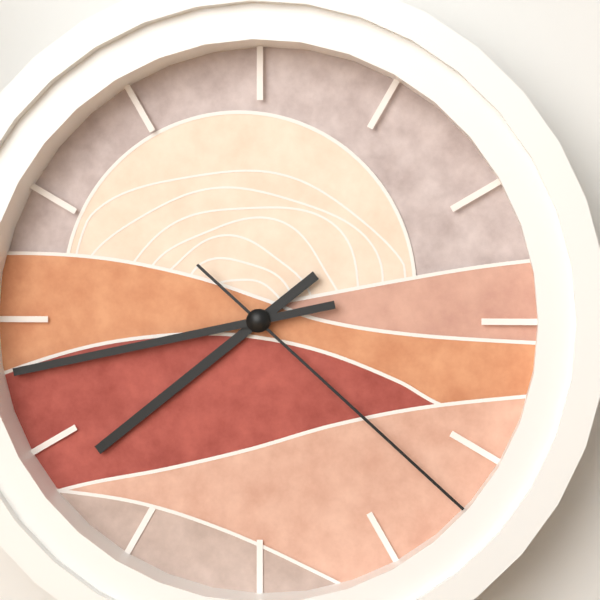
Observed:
7:43:22
